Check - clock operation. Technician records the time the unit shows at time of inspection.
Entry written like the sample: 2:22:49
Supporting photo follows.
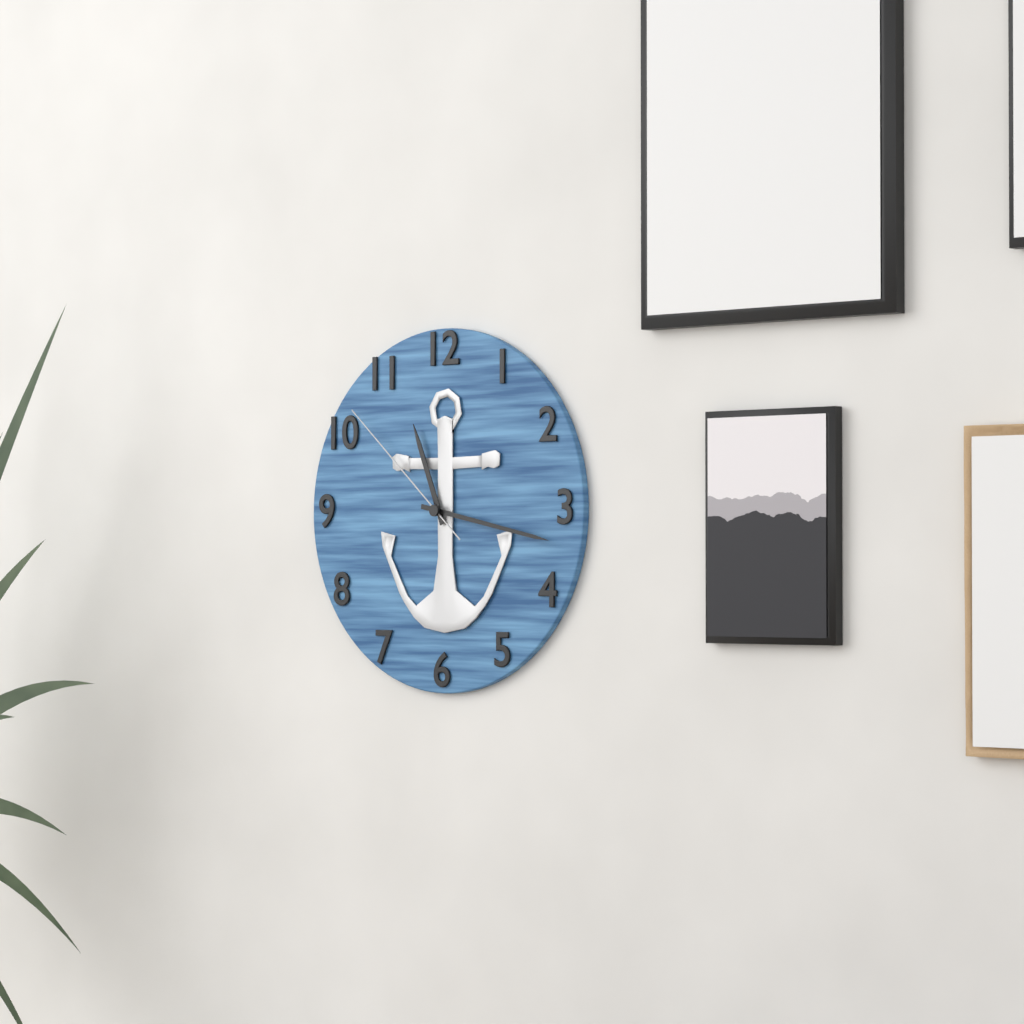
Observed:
11:17:52
